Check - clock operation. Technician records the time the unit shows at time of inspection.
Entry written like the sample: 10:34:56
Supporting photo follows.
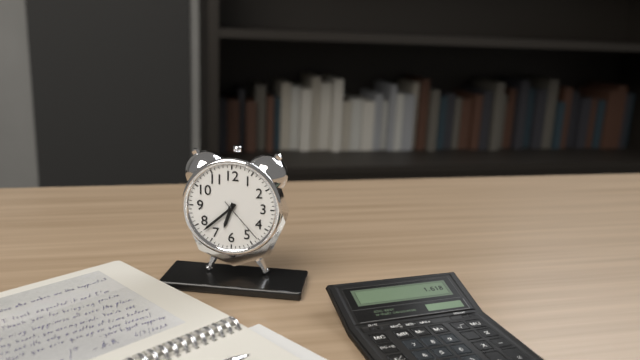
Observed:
6:38:23
